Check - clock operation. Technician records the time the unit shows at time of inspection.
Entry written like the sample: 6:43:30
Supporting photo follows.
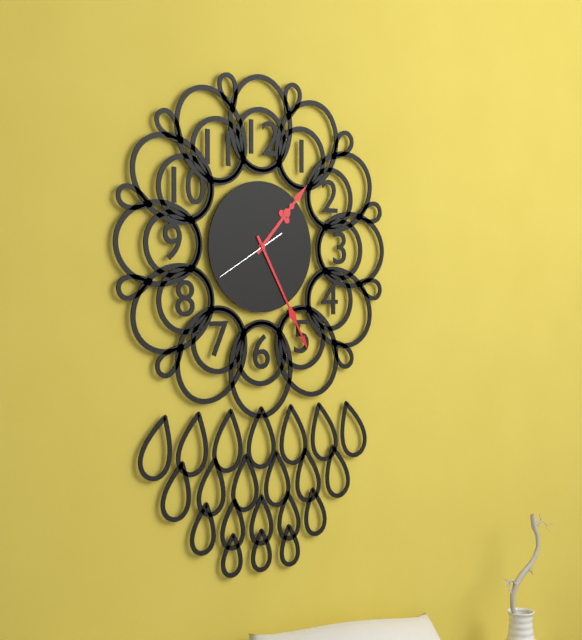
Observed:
1:25:40
